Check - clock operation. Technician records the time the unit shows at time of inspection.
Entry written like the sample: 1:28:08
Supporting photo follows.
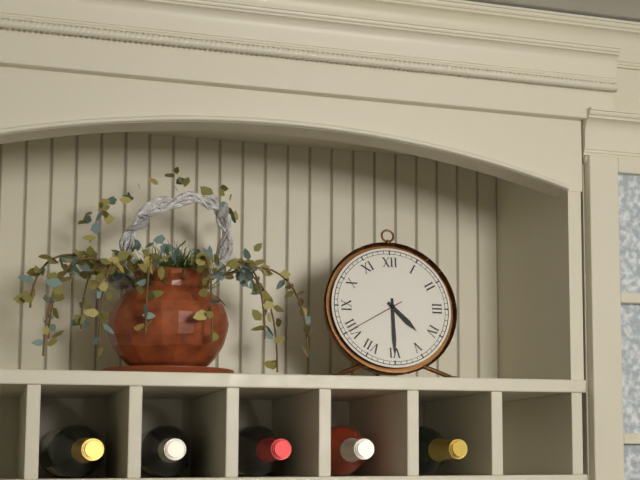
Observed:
4:30:40
